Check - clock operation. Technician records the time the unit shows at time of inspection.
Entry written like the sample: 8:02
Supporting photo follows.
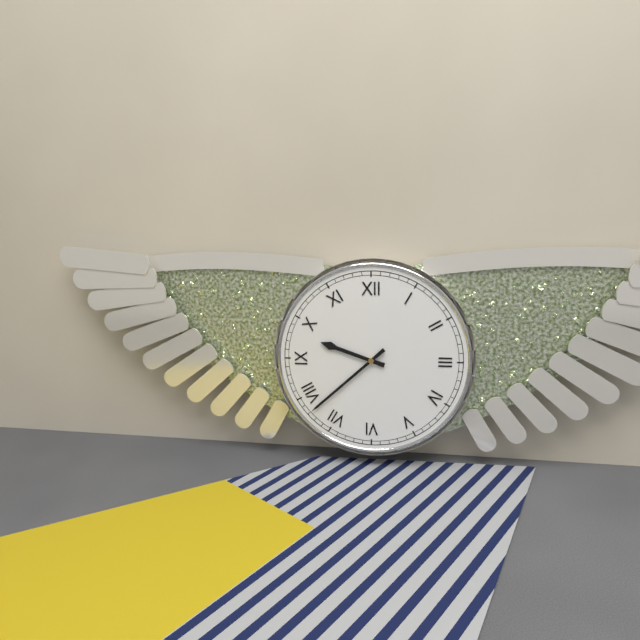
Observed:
9:38
